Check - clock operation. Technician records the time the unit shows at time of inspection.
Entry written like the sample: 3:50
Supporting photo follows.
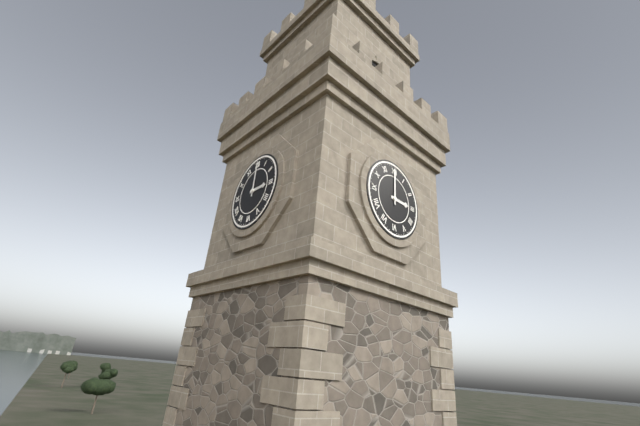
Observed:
3:00
